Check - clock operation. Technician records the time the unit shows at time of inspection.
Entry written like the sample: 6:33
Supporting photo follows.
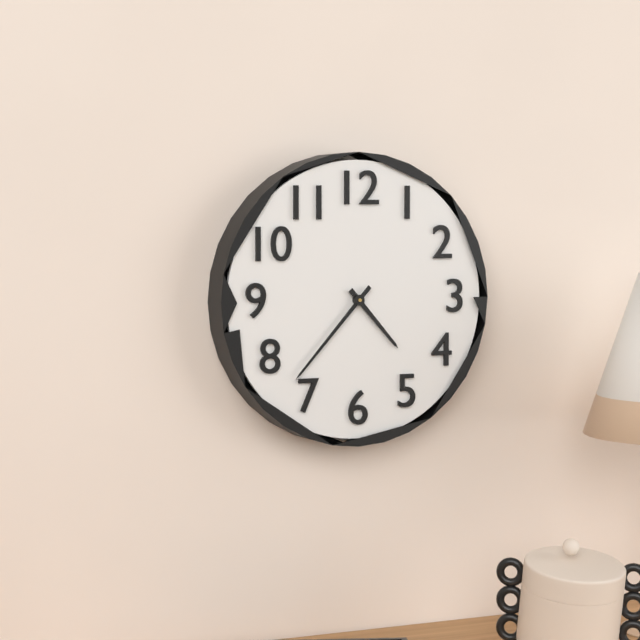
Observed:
4:37
